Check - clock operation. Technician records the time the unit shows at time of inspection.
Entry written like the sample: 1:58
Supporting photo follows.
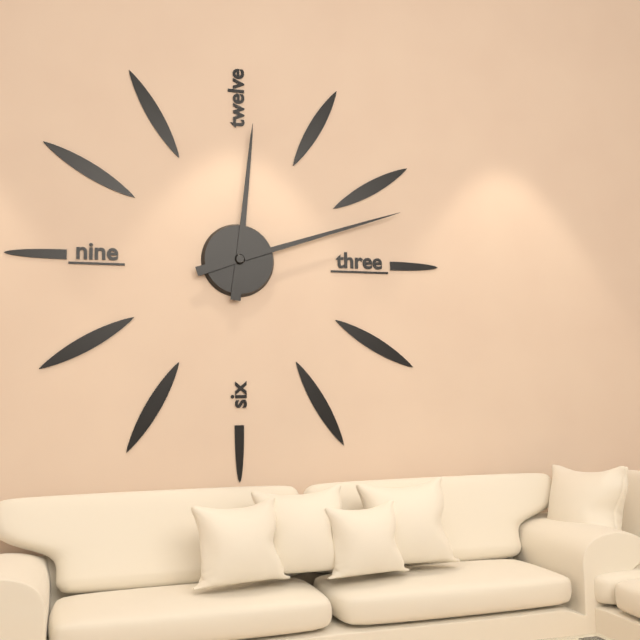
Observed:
12:12
